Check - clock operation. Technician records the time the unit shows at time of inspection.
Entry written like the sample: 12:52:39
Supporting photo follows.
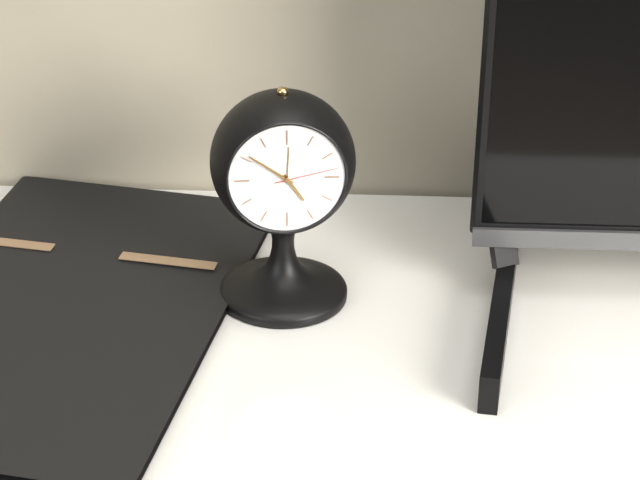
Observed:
4:51:13
